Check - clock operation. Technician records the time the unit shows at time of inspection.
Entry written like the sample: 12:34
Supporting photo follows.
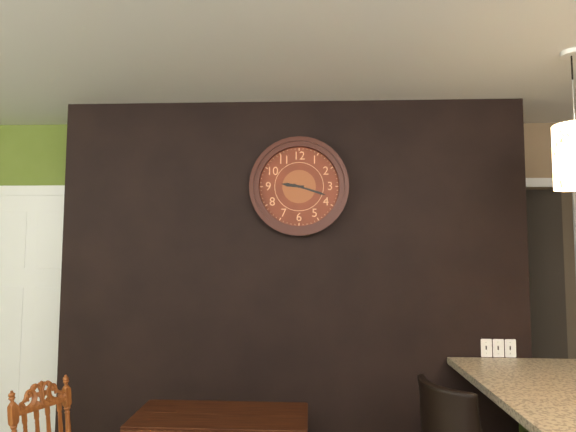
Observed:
9:18
